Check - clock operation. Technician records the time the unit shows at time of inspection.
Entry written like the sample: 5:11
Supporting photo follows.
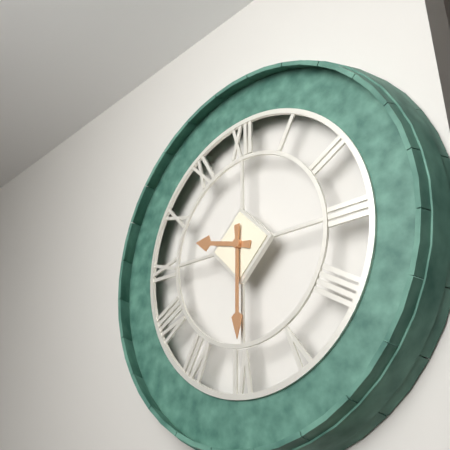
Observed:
9:30
